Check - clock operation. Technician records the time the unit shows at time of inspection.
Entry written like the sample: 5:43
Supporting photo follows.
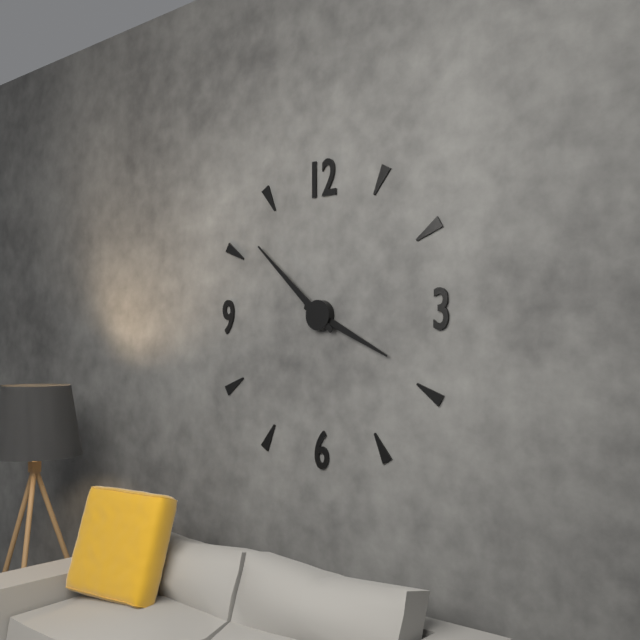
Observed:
3:52
